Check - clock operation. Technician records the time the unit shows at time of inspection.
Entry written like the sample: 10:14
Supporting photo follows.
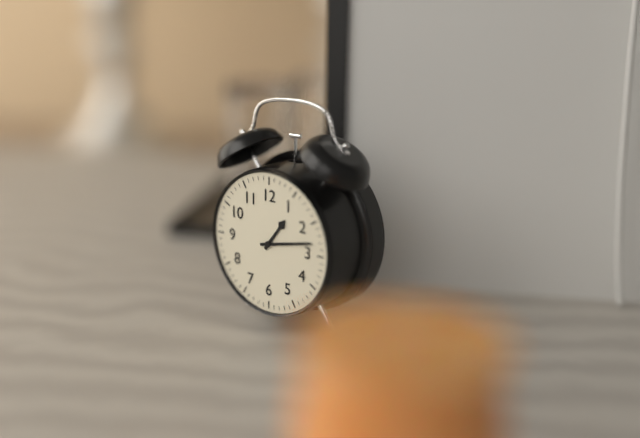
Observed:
1:13
